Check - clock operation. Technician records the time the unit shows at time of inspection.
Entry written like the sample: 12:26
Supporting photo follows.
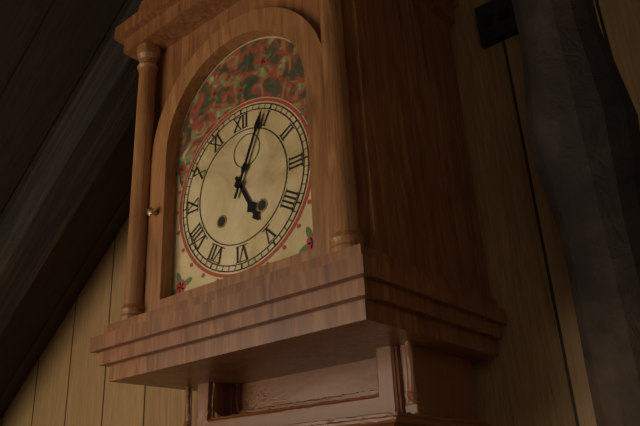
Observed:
5:04
